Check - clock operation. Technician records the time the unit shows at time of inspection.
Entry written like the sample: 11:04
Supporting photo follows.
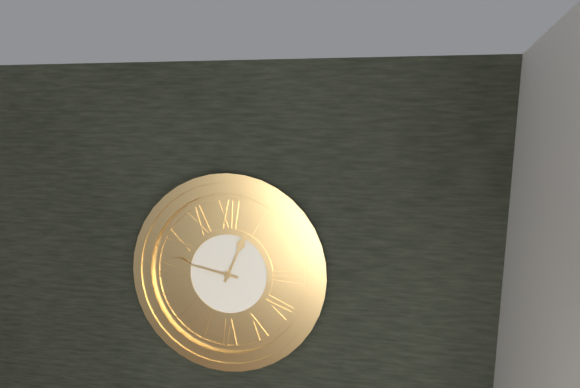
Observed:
12:47
